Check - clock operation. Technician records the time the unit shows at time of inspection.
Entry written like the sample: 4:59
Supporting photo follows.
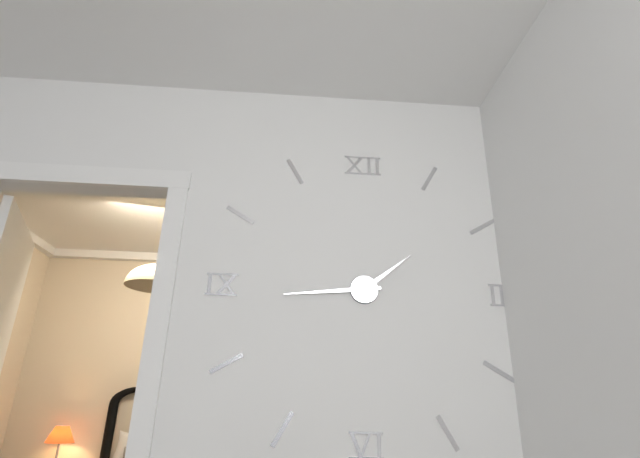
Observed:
1:44
